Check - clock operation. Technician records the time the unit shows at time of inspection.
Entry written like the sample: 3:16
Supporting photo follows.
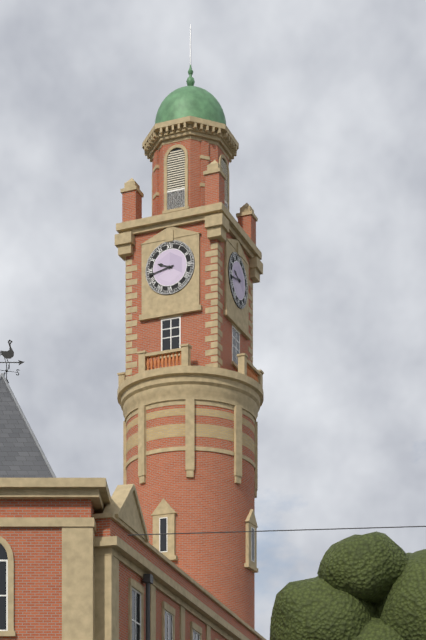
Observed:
9:43
